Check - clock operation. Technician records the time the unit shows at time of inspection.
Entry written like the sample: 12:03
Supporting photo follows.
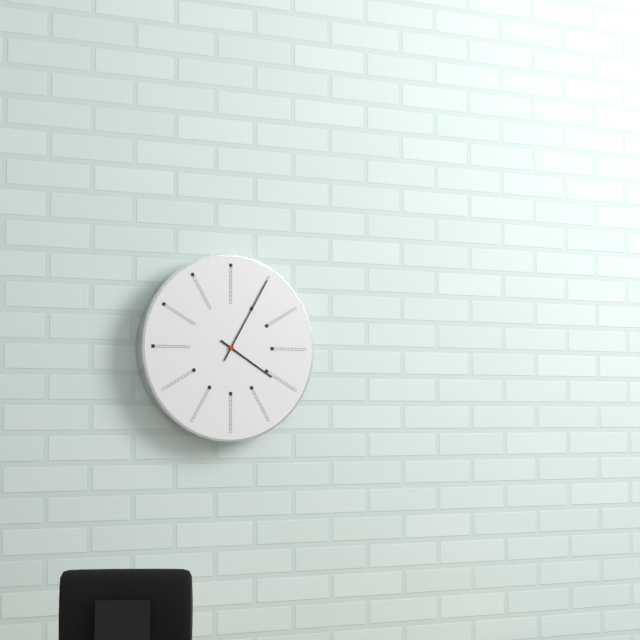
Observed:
4:05
